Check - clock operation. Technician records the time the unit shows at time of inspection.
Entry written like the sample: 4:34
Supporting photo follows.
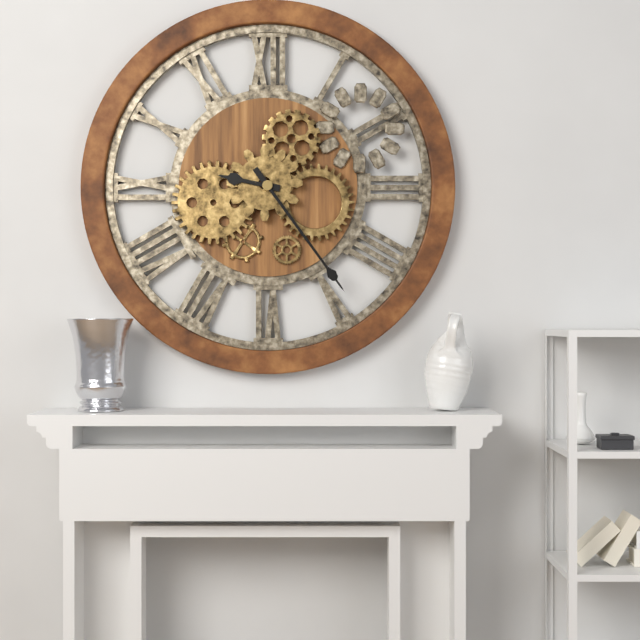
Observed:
9:24
